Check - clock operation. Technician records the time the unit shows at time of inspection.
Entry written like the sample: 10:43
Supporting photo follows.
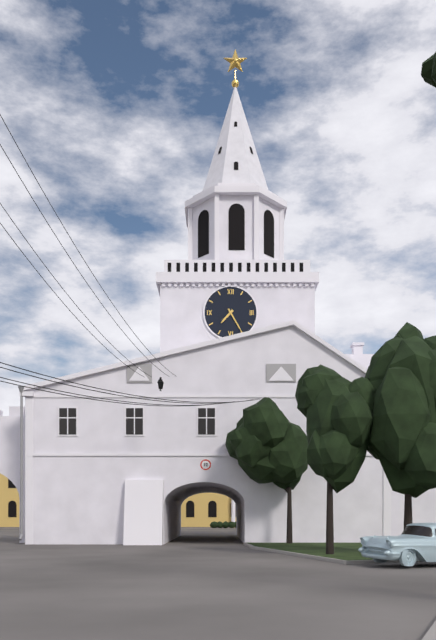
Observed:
7:25
